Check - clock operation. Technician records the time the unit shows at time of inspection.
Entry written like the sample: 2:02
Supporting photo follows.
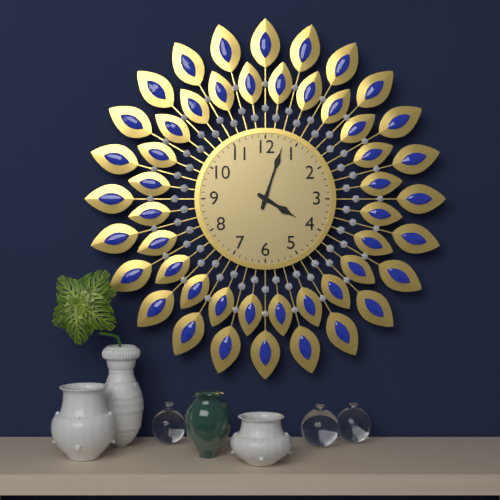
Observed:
4:03
